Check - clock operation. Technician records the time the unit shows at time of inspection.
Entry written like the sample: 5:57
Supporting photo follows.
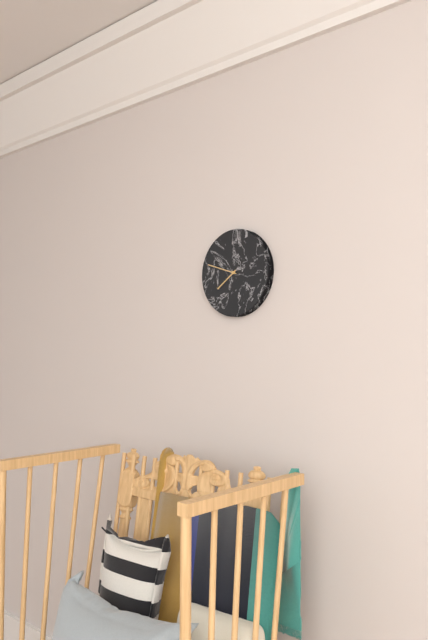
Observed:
7:48
